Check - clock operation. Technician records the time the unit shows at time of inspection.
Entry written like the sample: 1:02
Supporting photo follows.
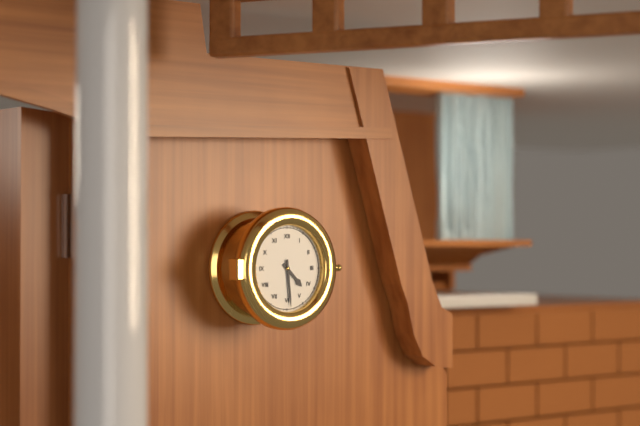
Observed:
4:29
